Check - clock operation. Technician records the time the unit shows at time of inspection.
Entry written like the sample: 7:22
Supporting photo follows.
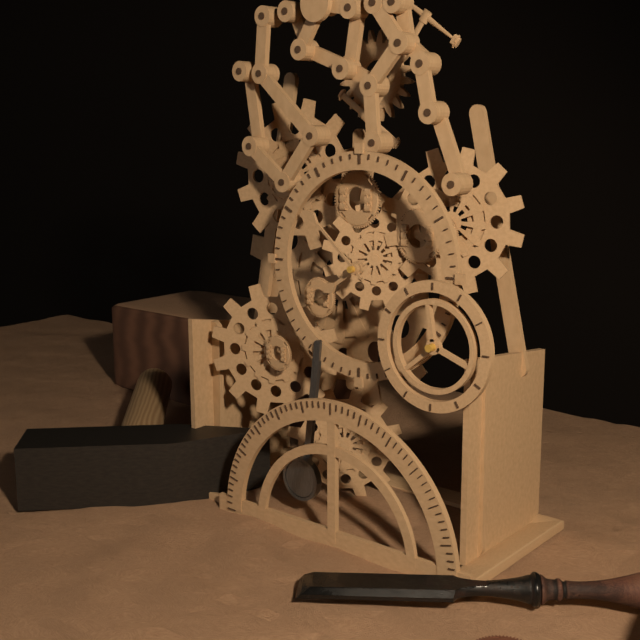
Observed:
7:52
